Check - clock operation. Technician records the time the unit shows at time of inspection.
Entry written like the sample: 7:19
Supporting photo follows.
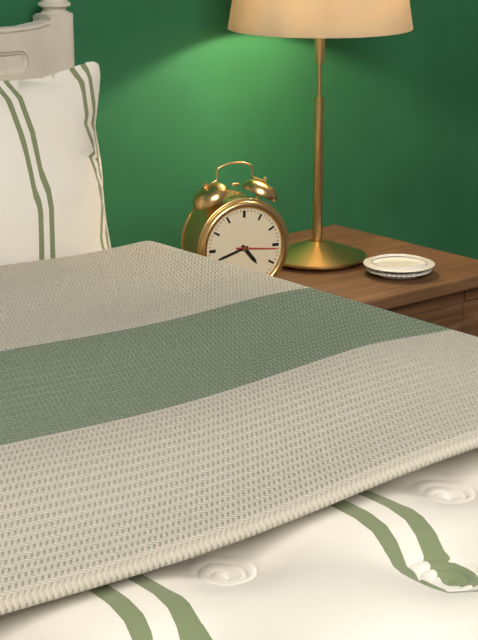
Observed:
4:42
